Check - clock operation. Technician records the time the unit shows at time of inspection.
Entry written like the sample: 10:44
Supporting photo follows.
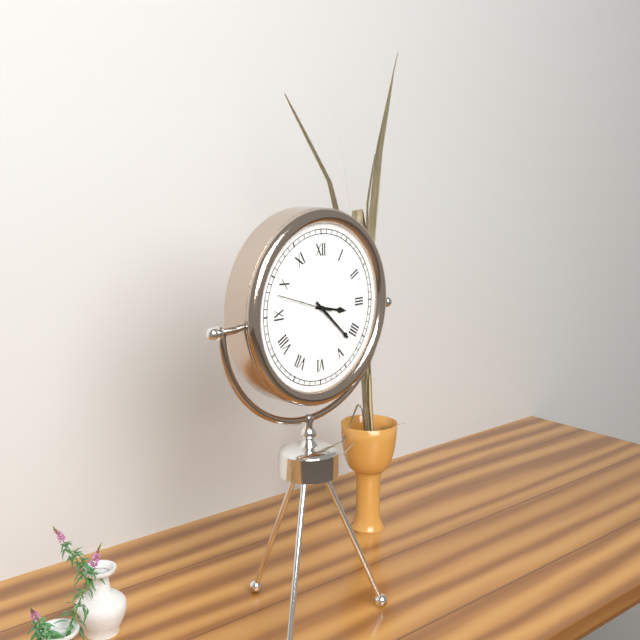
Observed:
3:22
